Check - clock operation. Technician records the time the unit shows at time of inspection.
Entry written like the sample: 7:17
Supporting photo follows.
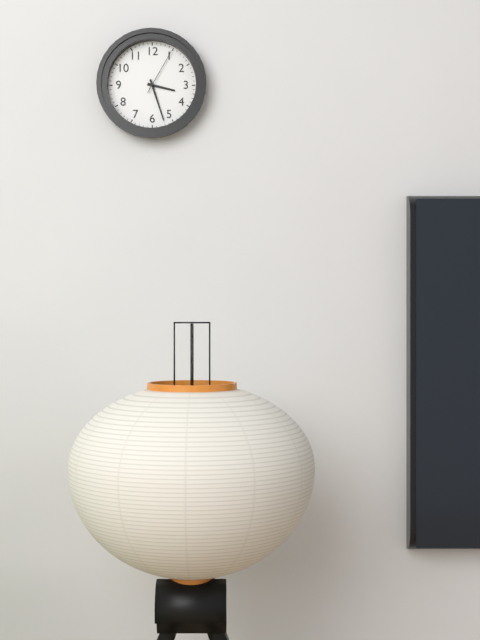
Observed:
3:27
